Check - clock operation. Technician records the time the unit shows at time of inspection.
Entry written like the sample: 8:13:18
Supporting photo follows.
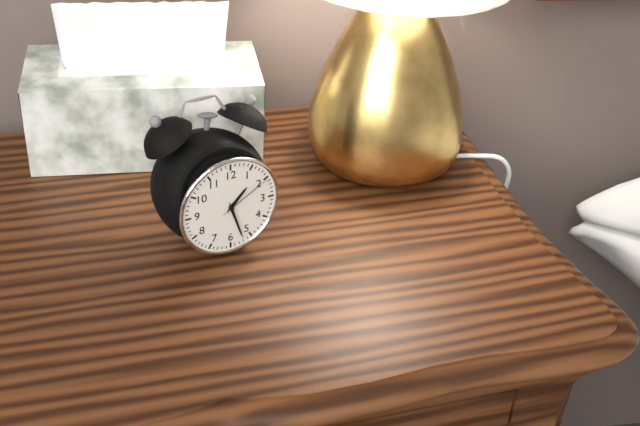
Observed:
1:27:10
